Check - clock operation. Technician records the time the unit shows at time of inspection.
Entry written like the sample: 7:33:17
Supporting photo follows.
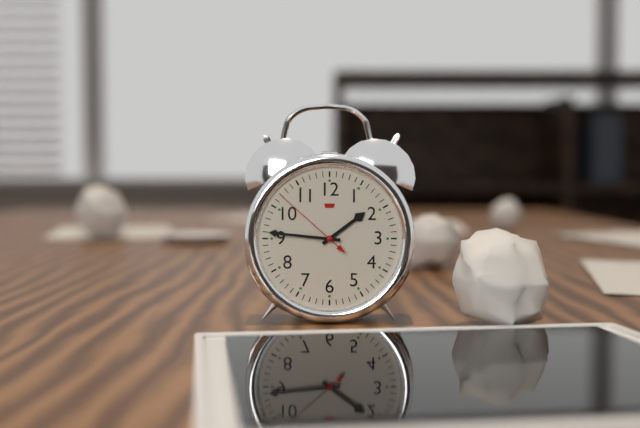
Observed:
1:46:52
